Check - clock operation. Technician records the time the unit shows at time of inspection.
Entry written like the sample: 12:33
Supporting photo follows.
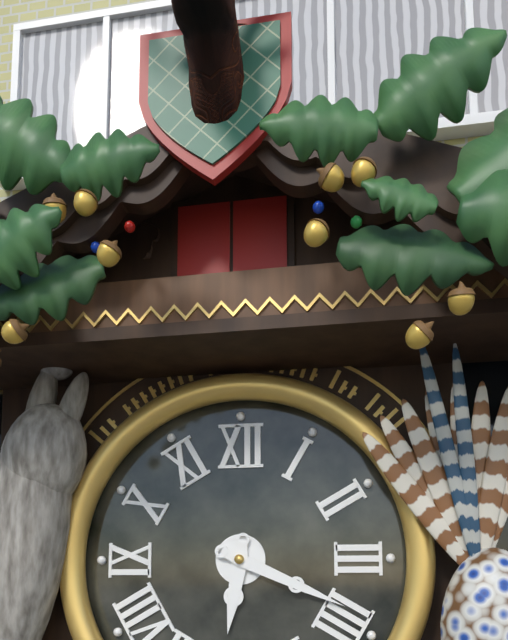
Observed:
6:19
